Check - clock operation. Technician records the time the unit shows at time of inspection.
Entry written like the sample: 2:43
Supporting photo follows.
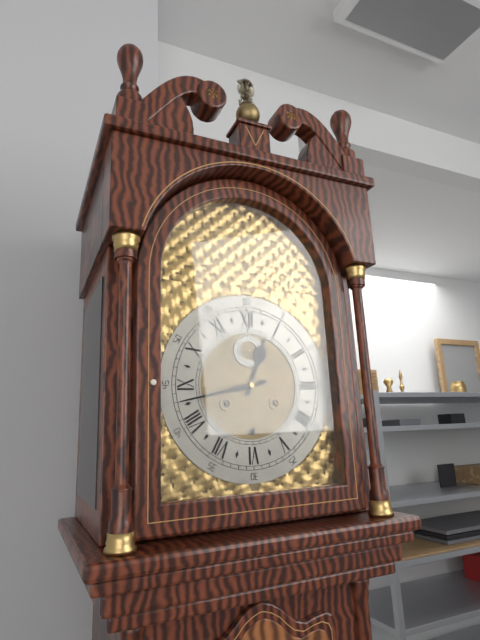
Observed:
12:43
